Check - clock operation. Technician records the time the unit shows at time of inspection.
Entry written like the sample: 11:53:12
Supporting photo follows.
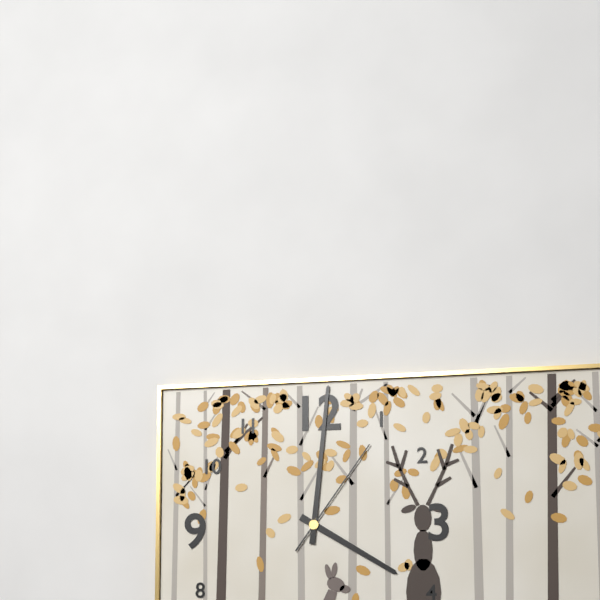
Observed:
4:01:06
